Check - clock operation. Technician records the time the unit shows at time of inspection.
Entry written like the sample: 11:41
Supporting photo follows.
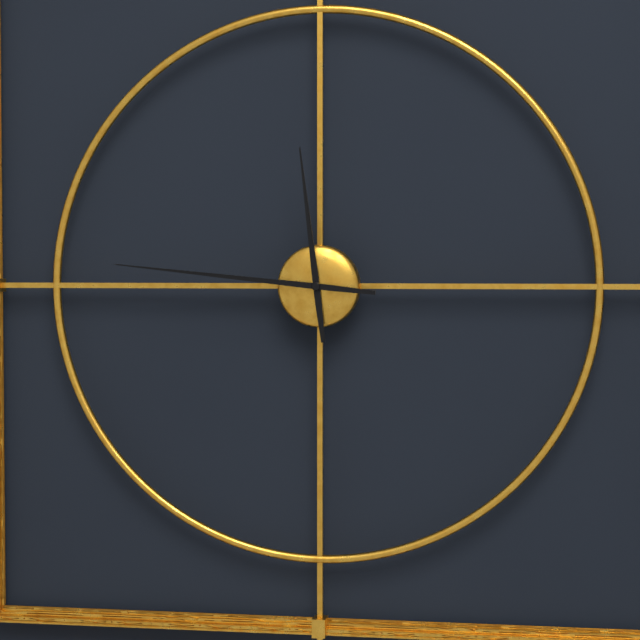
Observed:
11:46
